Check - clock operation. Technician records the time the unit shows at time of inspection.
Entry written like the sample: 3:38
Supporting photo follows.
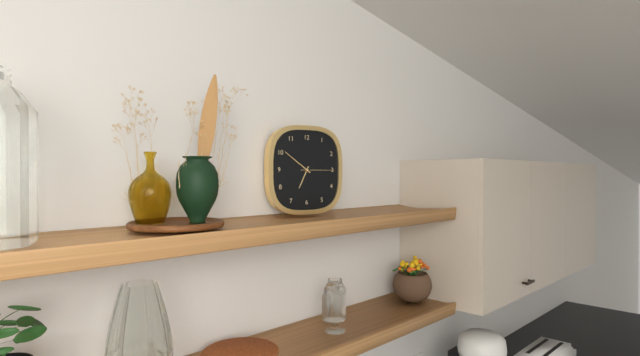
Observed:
6:51
